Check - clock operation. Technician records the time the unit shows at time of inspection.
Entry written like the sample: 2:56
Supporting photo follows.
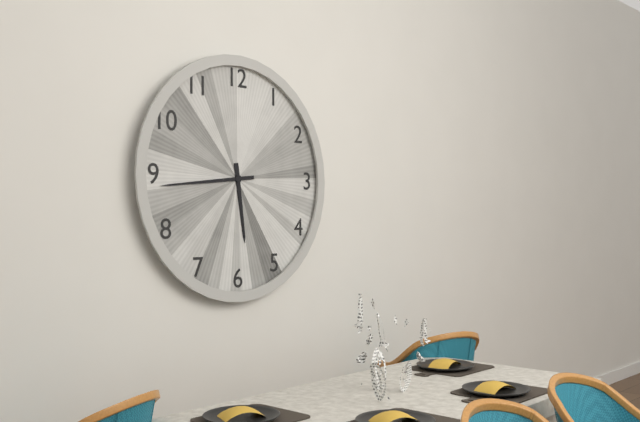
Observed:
5:44
